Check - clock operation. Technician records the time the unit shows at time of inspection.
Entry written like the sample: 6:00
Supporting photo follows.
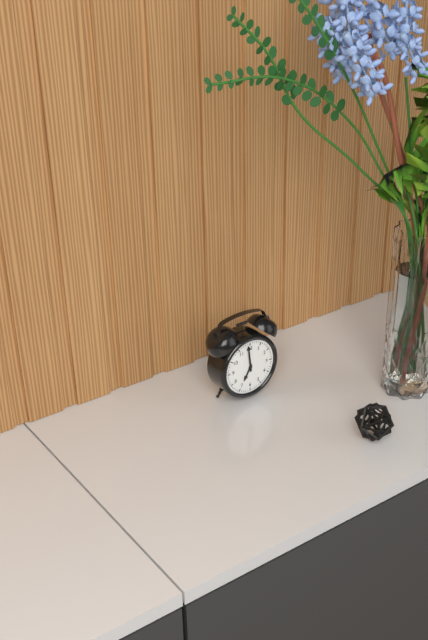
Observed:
6:59
